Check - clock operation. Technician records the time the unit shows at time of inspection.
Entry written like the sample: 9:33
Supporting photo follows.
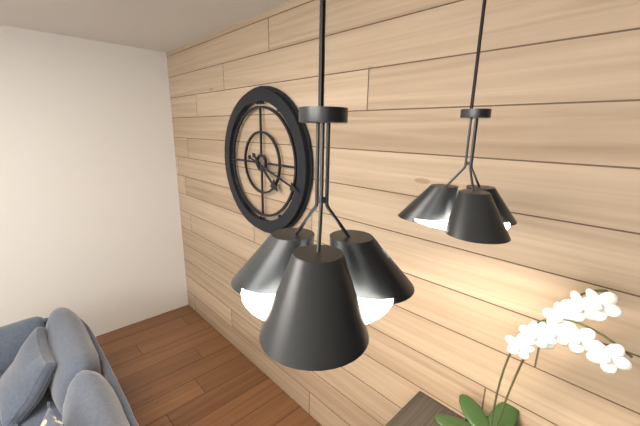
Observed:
4:18
